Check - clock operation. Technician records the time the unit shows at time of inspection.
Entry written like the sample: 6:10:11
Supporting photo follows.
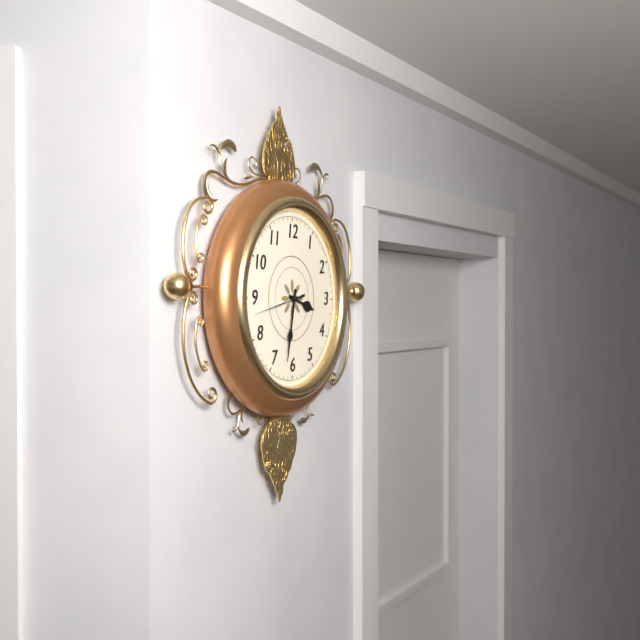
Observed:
3:32:43
